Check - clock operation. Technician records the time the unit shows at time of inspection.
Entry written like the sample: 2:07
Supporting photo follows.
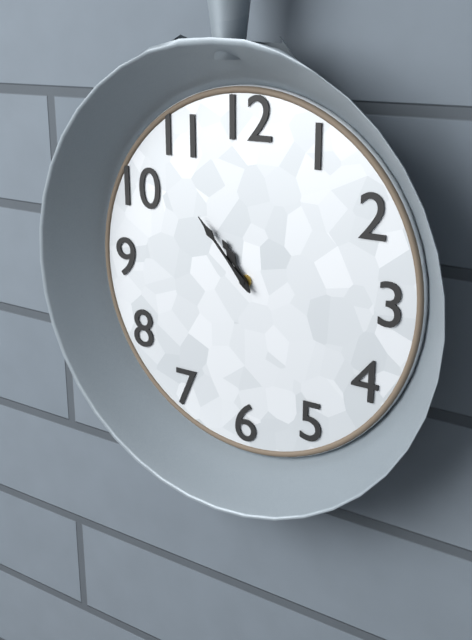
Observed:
10:53
